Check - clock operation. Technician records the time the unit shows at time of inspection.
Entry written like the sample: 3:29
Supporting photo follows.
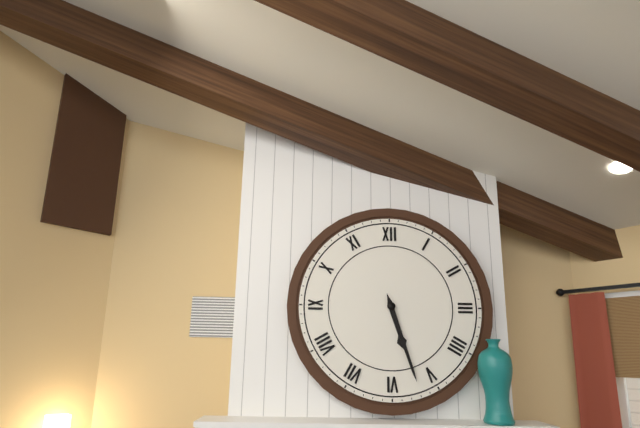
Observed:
5:27
